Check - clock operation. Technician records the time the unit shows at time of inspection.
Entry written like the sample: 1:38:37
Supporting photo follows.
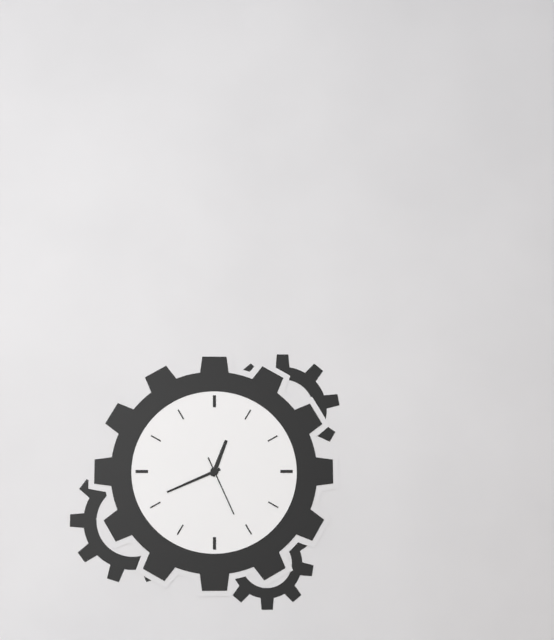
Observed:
12:41:26
